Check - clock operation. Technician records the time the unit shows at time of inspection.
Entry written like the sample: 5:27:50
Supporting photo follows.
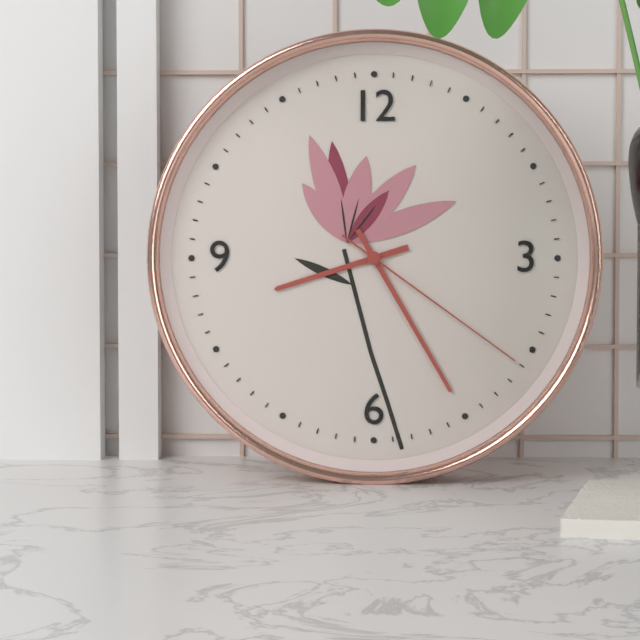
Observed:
8:25:21
